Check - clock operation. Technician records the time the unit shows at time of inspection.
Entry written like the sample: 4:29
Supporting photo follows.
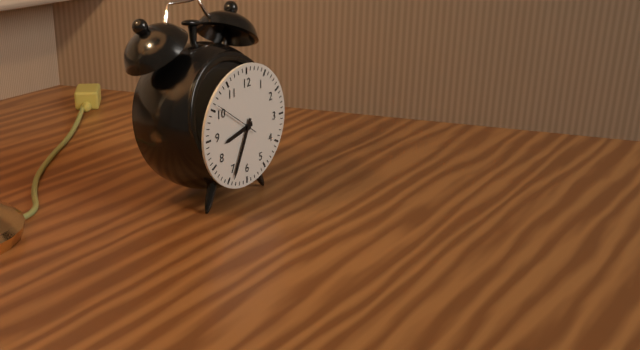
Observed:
8:34
